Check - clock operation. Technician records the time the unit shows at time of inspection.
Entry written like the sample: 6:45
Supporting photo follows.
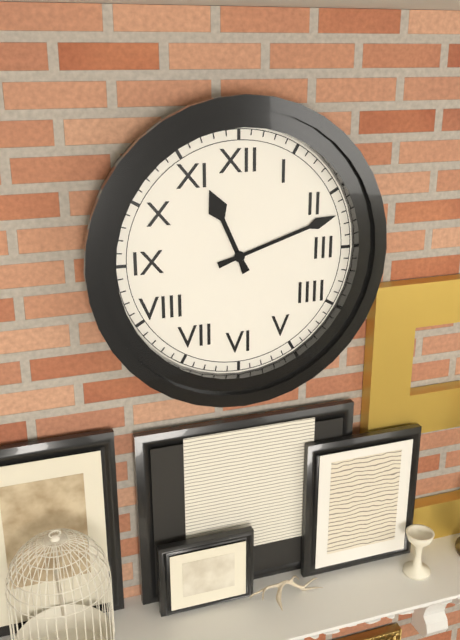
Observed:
11:12
